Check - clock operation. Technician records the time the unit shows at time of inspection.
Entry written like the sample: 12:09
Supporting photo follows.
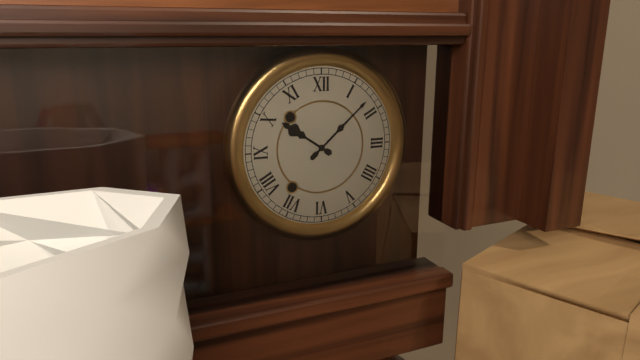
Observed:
10:08
